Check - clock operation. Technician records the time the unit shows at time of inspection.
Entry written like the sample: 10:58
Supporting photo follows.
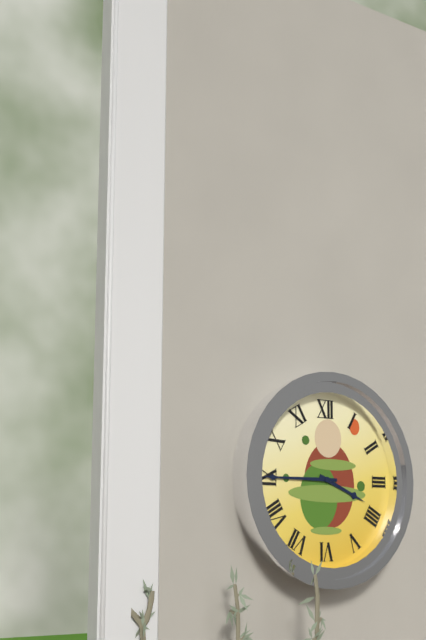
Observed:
3:45
